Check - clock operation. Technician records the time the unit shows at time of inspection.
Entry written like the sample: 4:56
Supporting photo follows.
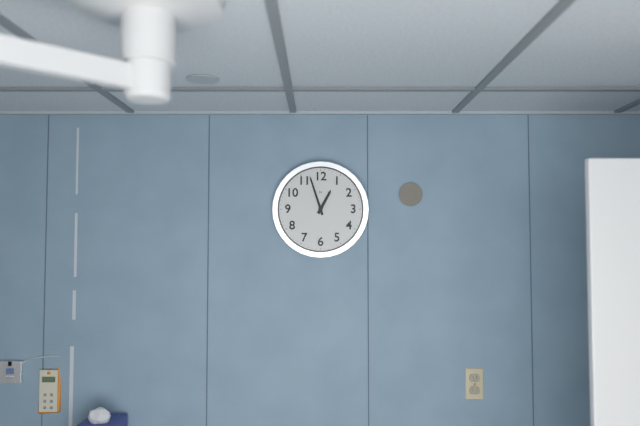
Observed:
12:57
